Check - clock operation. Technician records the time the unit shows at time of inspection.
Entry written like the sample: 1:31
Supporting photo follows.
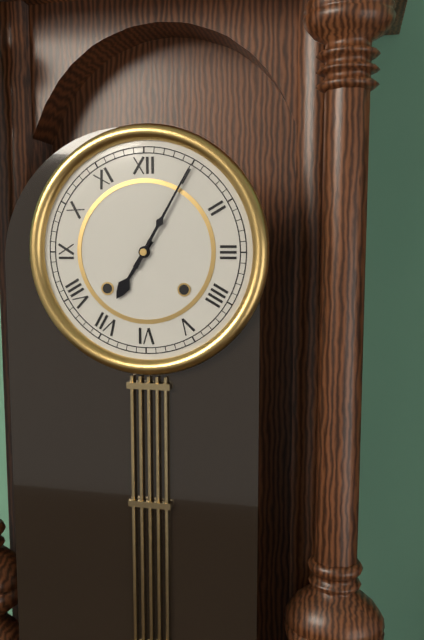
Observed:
7:05
